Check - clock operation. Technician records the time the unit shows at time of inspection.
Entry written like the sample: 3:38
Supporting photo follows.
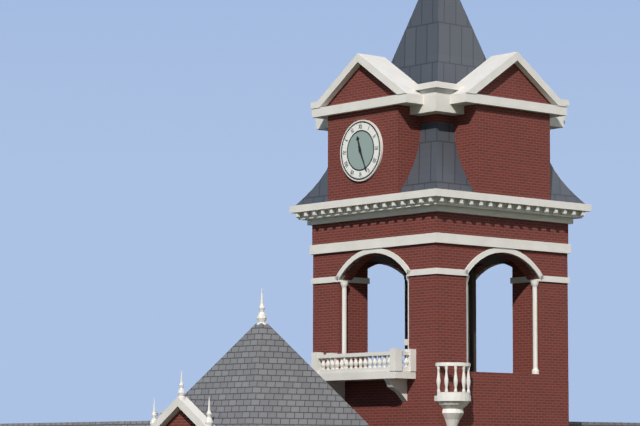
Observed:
11:26
